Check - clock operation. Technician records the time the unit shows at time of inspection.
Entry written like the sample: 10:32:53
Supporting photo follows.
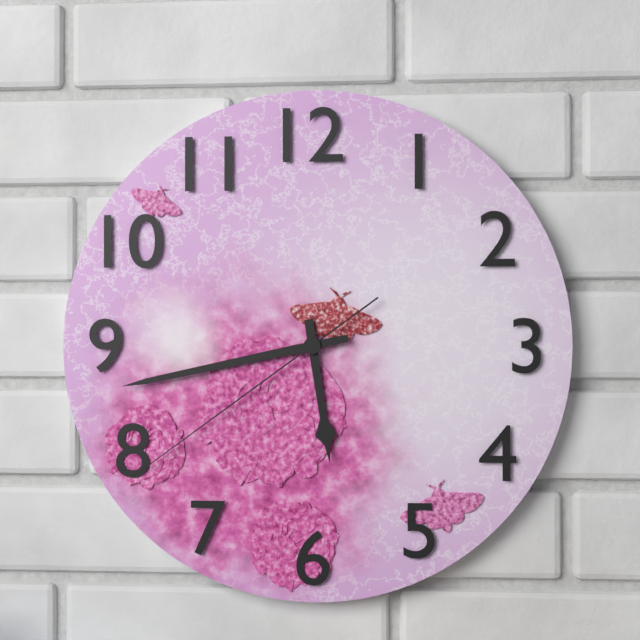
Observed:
5:43:39
